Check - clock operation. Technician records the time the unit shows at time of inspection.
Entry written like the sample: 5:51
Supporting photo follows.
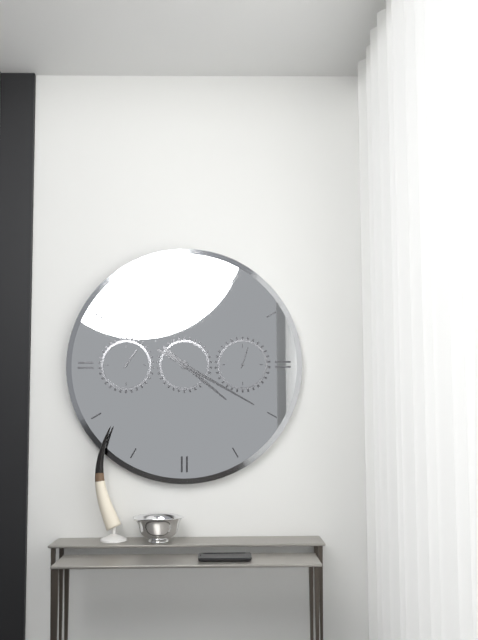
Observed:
4:20
